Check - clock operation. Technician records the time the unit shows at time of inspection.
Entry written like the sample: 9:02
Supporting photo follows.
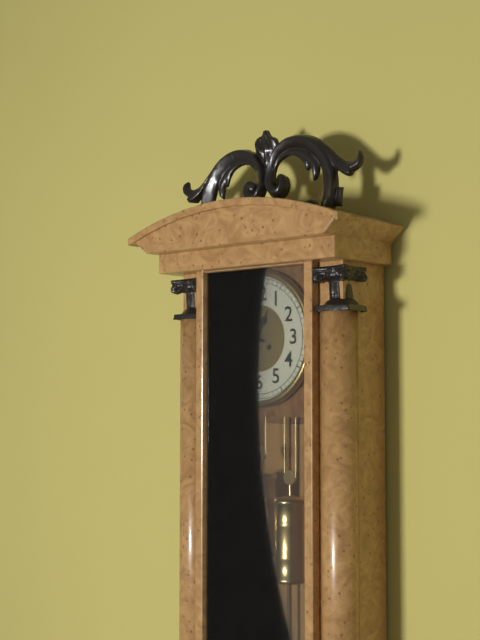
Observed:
12:48
